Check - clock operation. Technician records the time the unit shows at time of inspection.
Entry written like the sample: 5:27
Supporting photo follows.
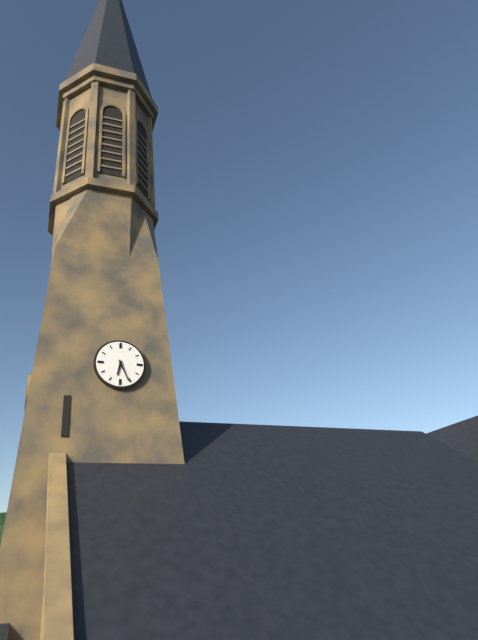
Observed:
6:26
